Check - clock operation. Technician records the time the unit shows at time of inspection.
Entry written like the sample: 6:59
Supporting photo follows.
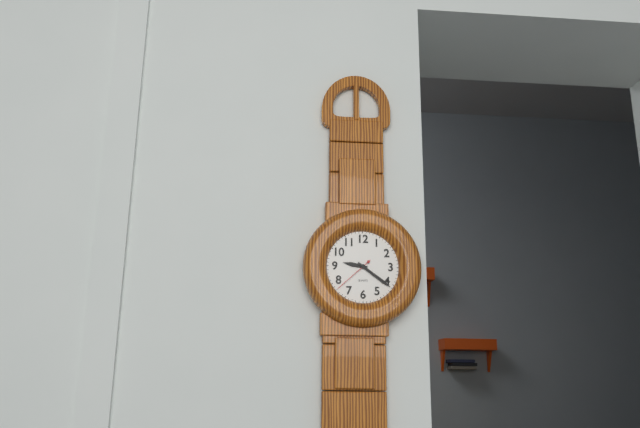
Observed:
9:21
